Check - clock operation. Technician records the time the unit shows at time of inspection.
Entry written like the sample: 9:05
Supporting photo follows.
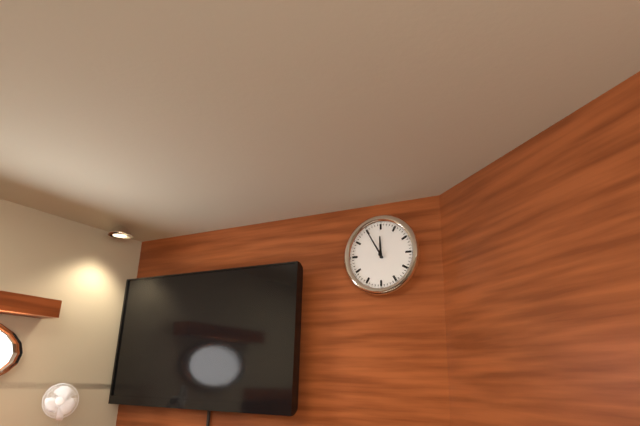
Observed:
11:55
